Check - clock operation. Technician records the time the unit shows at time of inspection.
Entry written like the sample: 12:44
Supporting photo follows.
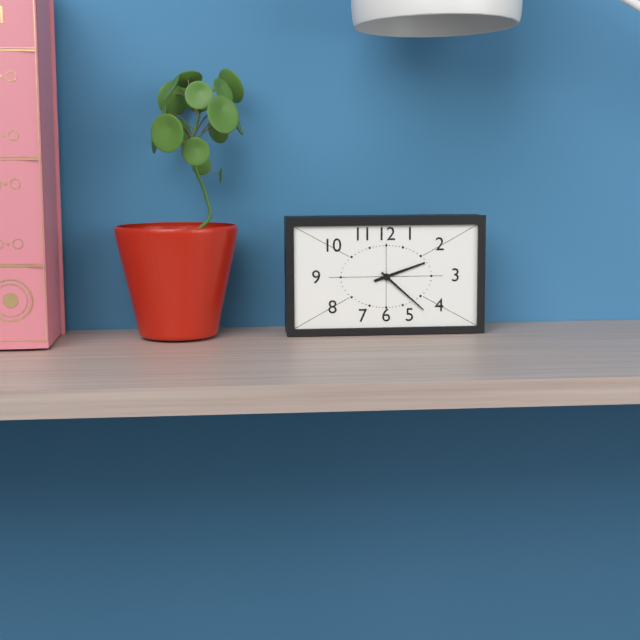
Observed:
2:22
